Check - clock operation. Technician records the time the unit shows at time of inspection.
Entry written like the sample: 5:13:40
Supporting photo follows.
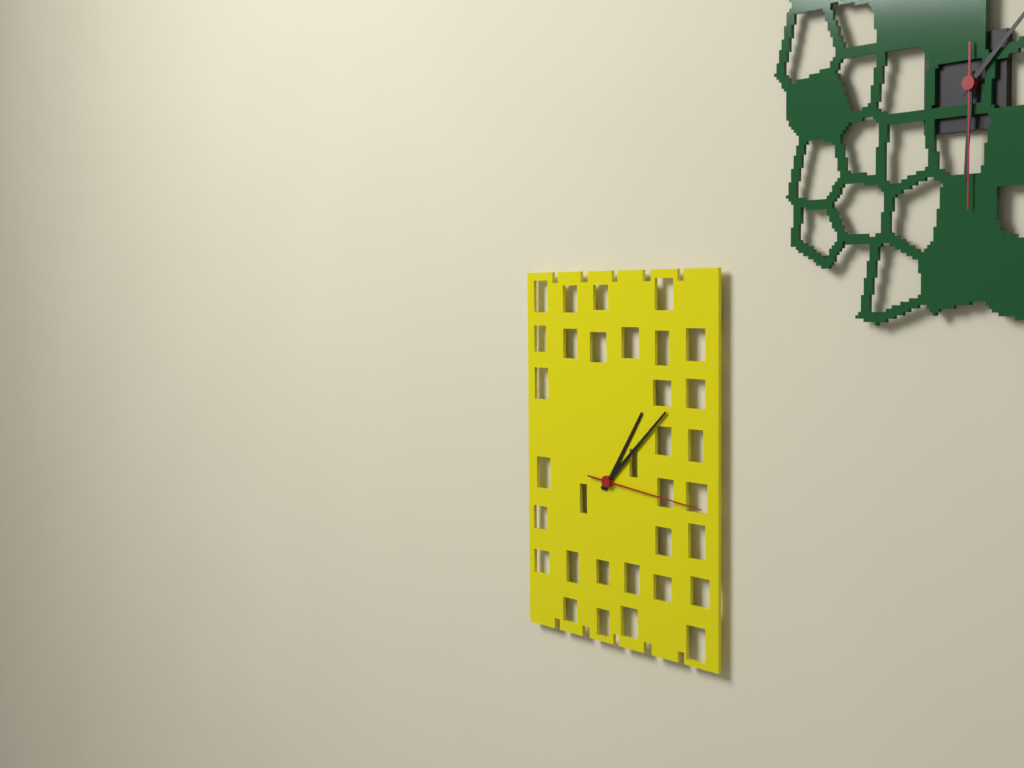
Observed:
1:08:16
